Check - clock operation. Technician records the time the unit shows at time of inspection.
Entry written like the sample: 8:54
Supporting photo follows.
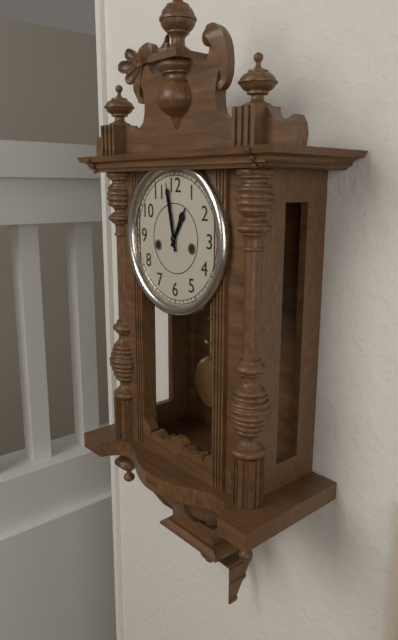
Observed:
12:58
